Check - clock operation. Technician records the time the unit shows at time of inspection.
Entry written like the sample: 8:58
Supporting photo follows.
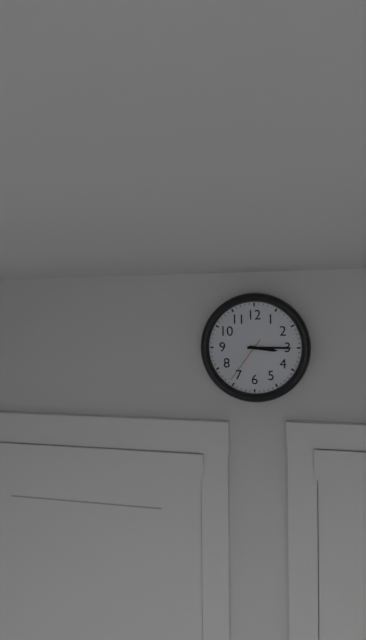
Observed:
3:15
